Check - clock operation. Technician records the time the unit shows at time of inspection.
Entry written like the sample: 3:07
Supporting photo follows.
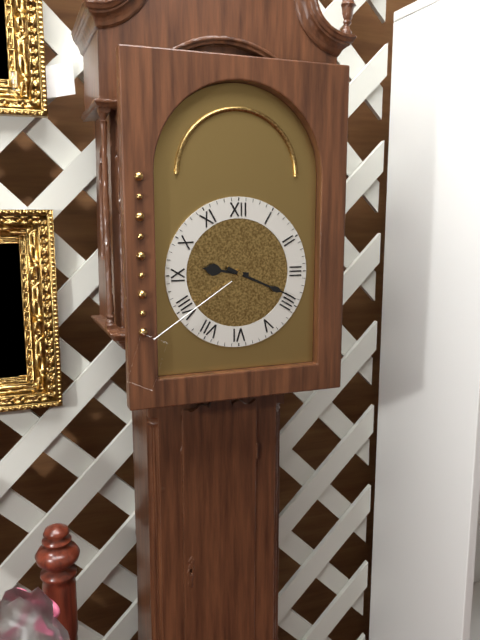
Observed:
9:19
